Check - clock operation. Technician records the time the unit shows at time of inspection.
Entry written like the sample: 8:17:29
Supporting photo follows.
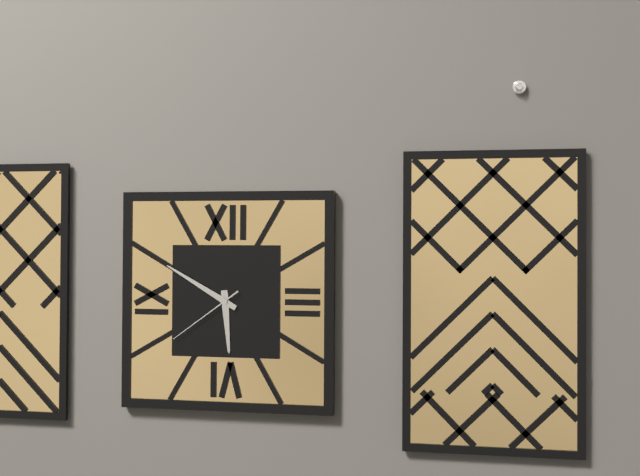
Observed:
5:50:39
